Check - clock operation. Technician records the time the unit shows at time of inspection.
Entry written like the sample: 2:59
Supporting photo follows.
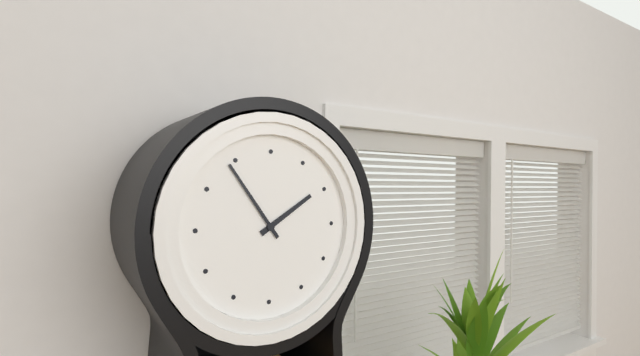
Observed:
1:54
